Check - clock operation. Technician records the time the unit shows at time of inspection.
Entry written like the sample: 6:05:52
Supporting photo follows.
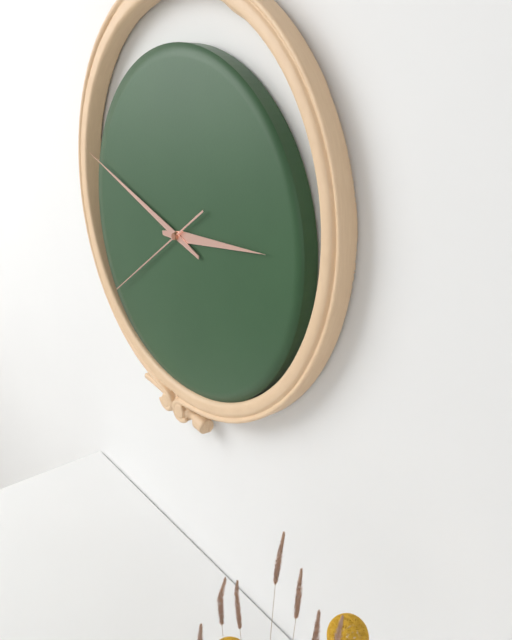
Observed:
2:48:39
